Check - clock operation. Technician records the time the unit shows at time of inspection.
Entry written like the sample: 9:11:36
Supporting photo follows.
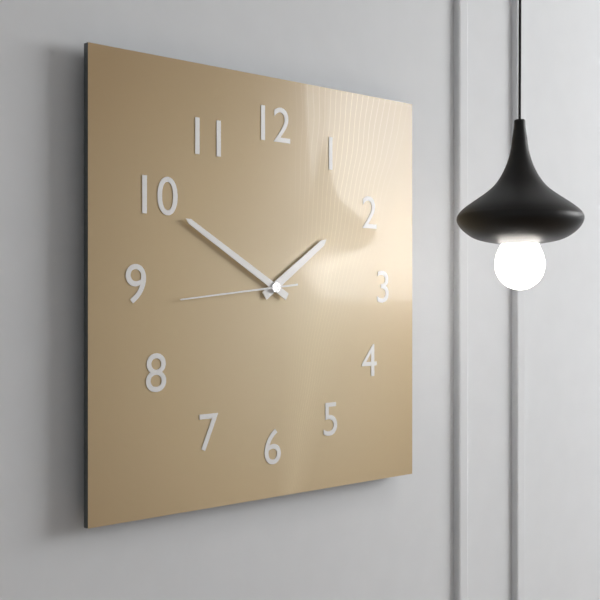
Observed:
1:50:44
